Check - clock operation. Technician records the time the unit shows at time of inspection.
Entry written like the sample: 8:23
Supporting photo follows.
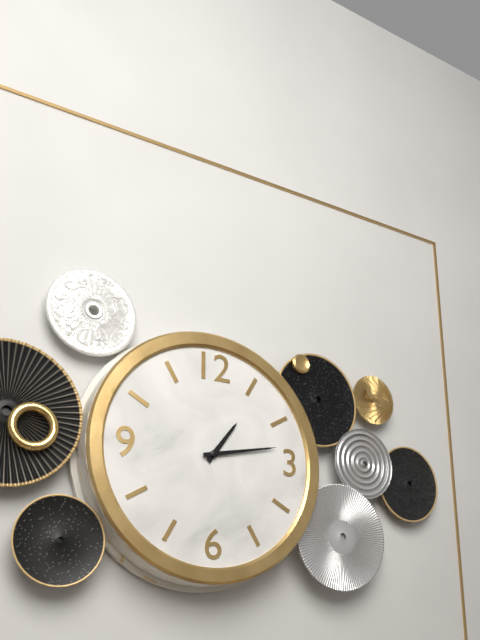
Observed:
1:13
